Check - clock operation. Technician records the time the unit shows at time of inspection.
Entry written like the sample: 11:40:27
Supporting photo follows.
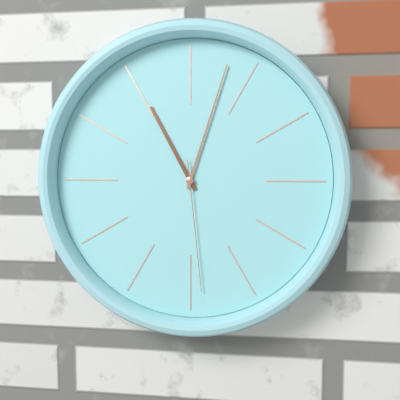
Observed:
11:03:29
